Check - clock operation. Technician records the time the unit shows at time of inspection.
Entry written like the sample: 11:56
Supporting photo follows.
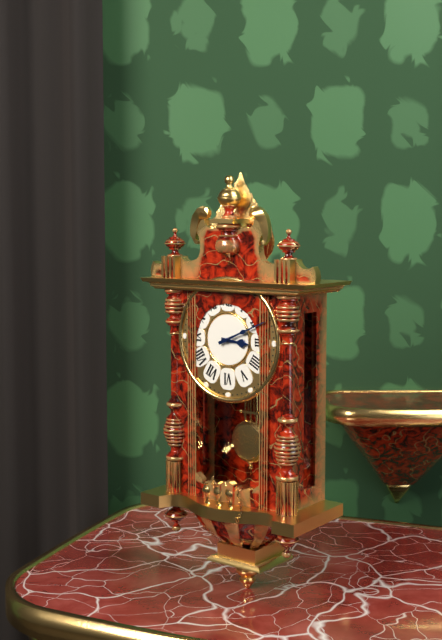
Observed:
3:11
